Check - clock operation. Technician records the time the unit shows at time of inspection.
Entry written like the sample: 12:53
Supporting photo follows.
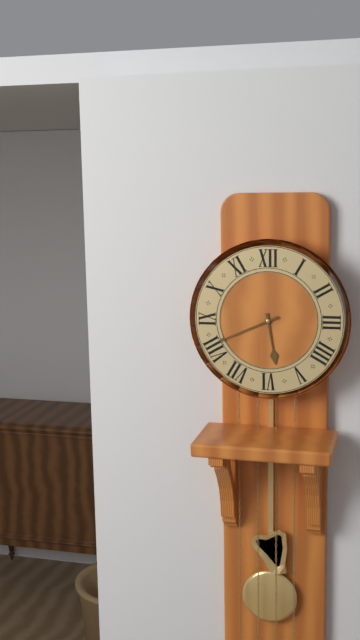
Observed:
5:41
